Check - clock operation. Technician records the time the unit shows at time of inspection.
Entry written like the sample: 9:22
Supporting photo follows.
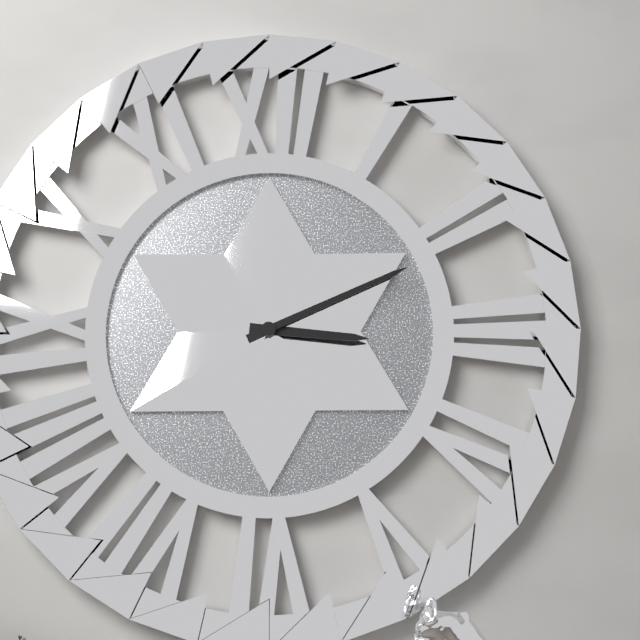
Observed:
3:11
